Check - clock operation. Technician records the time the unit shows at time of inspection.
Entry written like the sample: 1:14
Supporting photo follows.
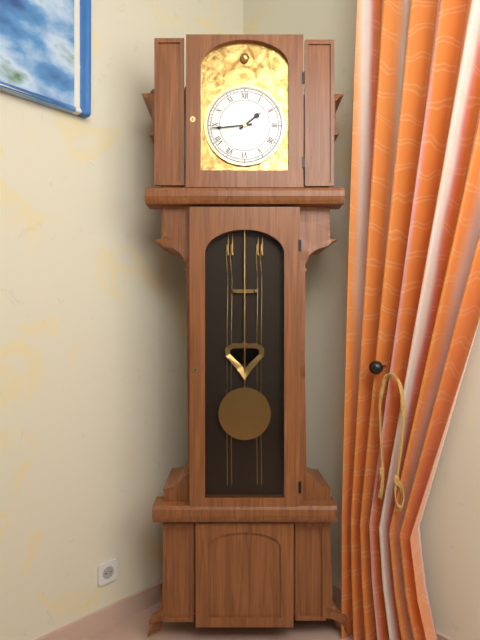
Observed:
1:44
